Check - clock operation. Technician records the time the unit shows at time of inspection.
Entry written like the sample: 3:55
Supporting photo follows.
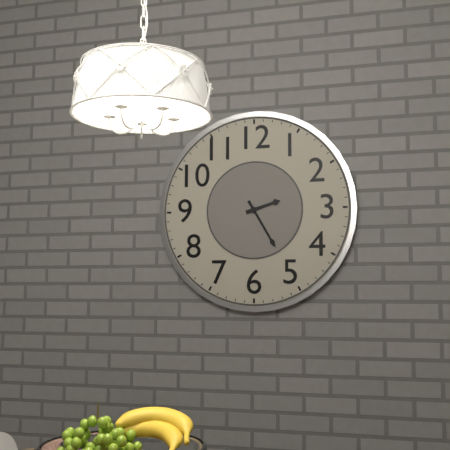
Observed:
2:25
